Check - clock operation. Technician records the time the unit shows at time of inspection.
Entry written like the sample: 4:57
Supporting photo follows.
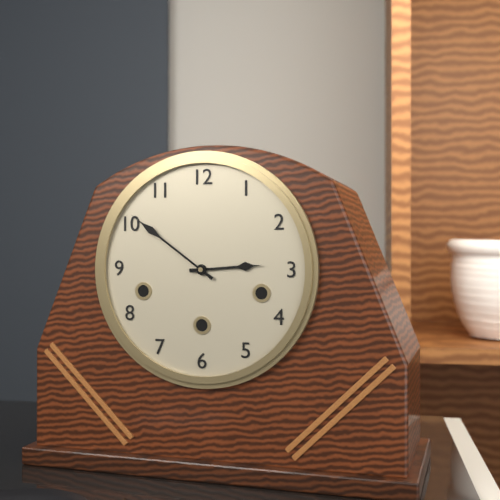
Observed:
2:51
